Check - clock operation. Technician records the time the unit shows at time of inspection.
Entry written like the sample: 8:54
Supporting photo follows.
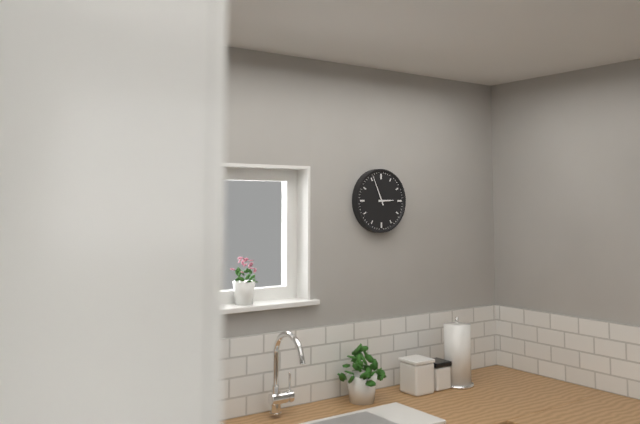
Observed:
2:56
